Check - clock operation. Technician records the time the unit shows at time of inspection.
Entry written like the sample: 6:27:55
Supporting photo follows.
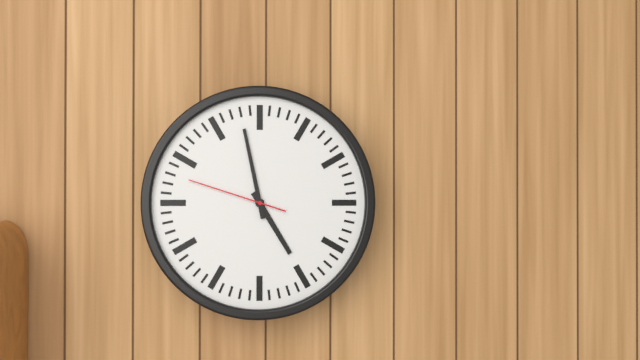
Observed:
4:58:48
